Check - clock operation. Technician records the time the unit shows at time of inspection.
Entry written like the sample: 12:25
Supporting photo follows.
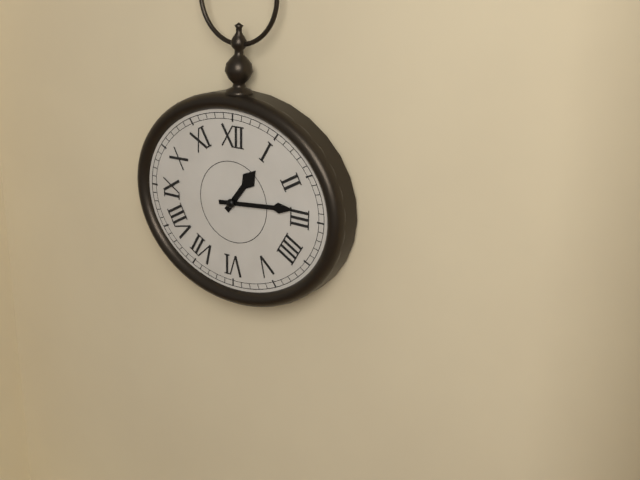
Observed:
1:14
